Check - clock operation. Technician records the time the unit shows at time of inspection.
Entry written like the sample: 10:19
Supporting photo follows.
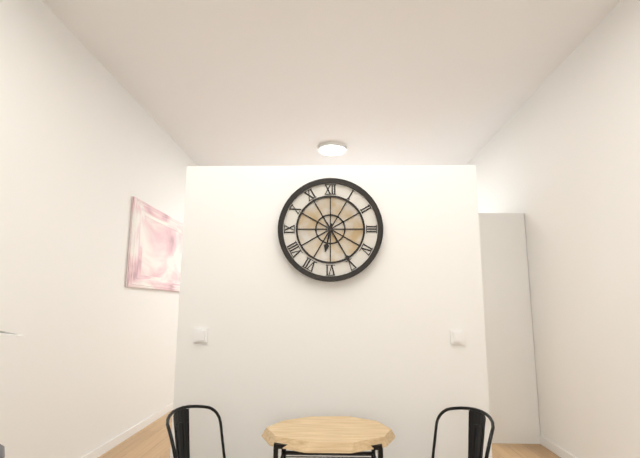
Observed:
6:25
